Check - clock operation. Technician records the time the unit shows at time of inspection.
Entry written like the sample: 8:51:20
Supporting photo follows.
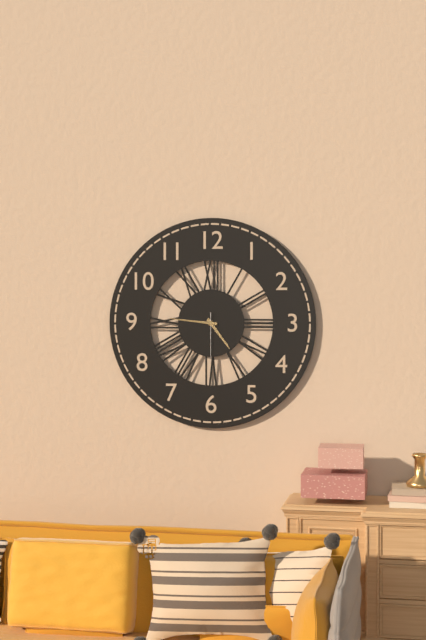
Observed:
4:46:30
